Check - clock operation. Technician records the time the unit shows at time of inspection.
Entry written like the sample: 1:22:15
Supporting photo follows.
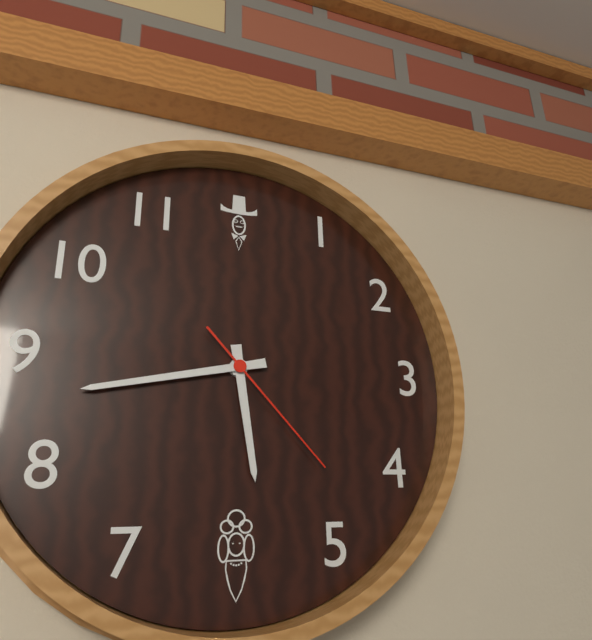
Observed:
5:43:23
